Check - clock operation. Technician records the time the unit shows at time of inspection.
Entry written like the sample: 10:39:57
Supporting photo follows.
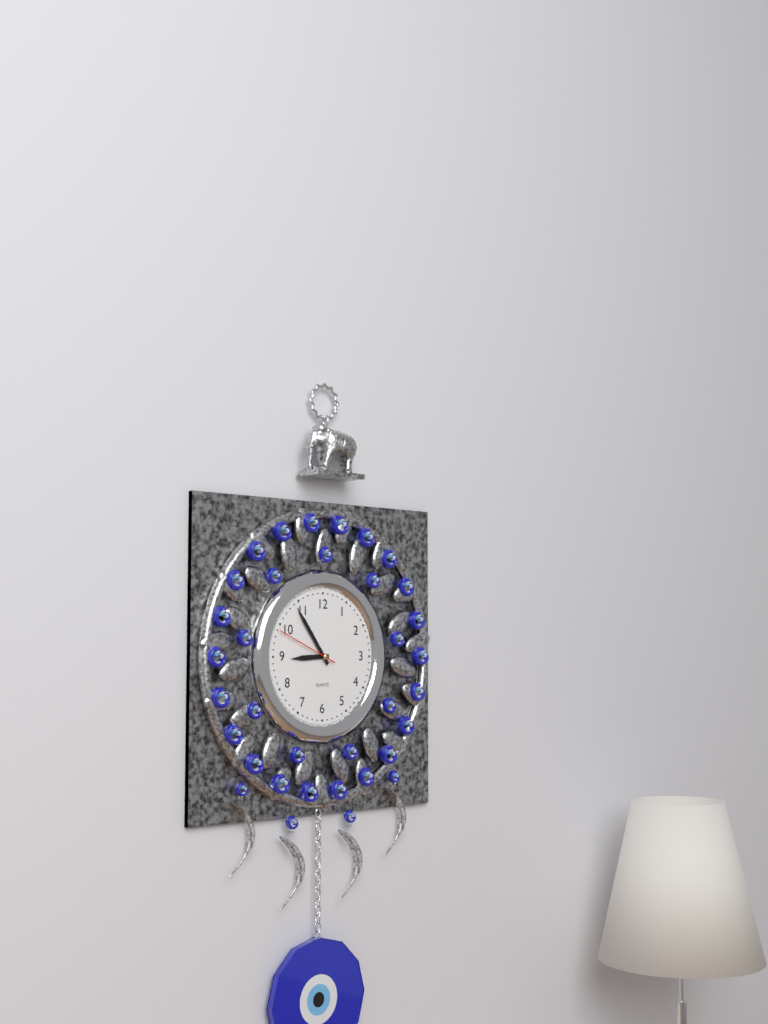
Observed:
8:54:49
